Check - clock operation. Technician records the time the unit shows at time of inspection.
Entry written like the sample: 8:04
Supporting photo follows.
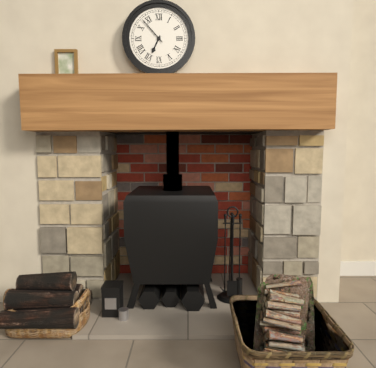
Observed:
6:53
